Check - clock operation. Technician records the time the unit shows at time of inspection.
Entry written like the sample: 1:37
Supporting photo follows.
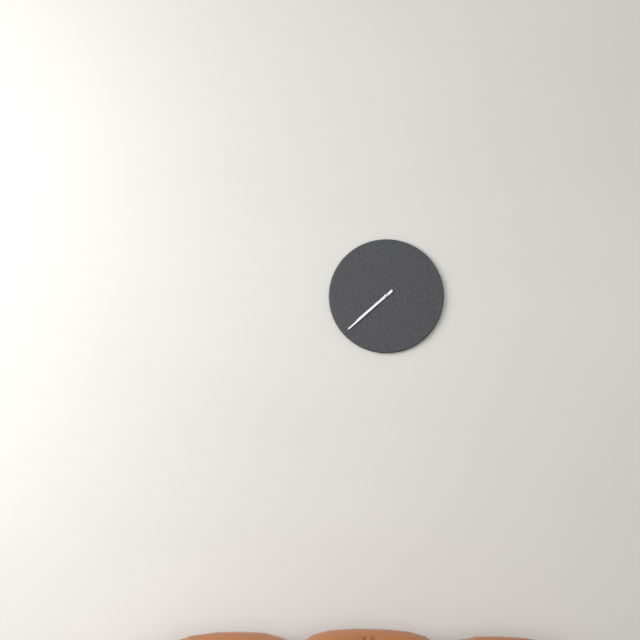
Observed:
7:38
